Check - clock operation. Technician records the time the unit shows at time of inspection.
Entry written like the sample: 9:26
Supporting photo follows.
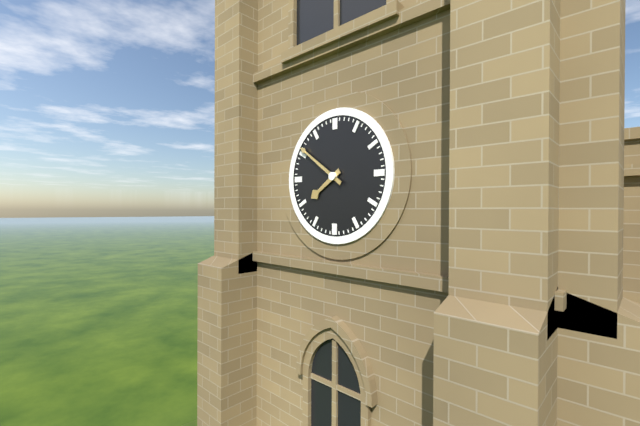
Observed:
7:51
